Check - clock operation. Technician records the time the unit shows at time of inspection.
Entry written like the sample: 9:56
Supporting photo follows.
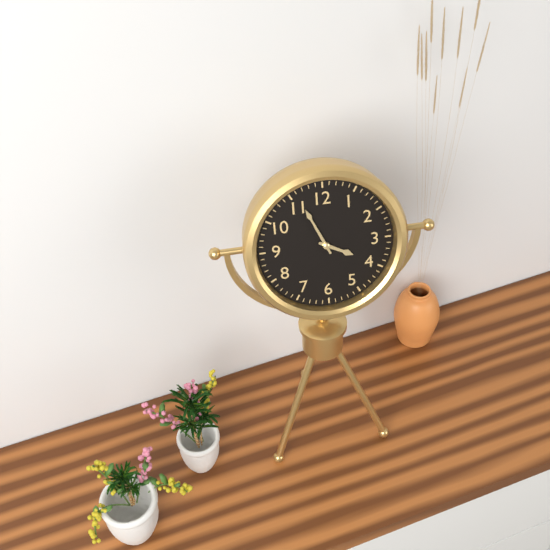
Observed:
3:56
